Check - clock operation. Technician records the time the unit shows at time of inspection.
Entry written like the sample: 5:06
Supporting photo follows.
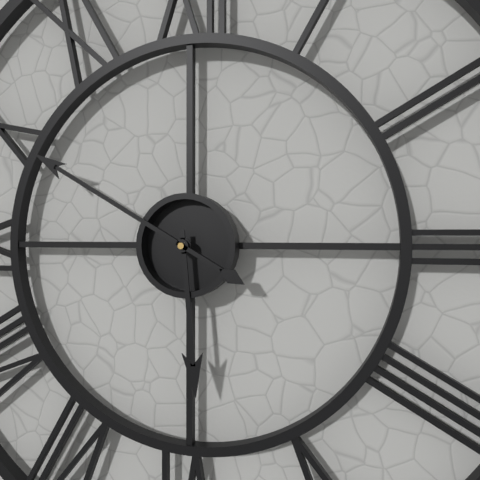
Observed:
5:50
